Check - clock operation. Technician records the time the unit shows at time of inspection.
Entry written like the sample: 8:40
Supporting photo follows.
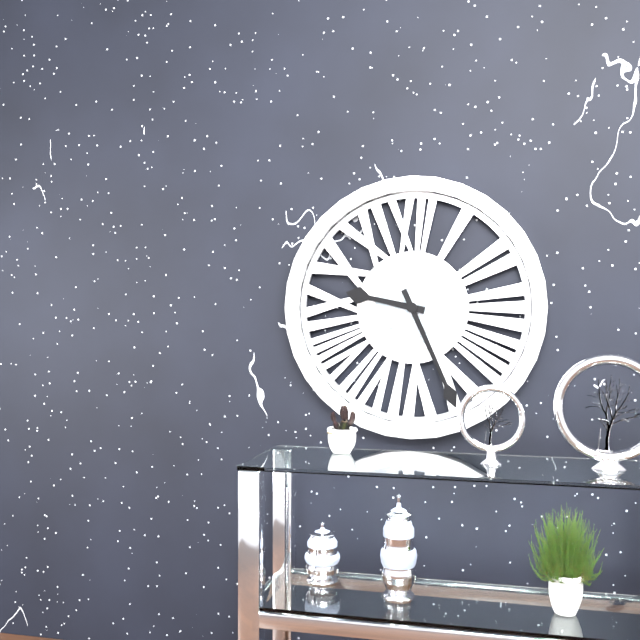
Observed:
9:26
